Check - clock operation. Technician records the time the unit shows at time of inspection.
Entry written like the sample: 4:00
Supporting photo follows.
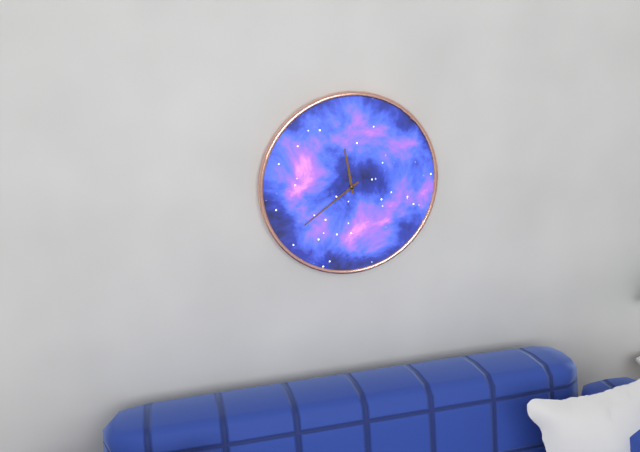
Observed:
11:39
